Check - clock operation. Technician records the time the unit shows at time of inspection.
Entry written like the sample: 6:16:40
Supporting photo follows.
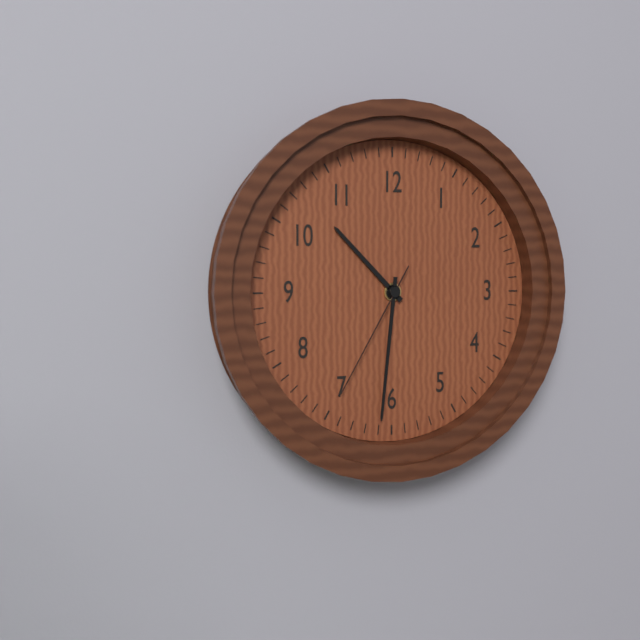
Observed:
10:31:35
